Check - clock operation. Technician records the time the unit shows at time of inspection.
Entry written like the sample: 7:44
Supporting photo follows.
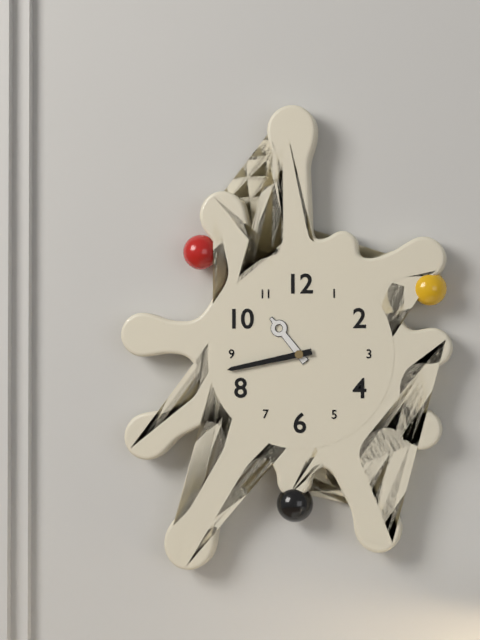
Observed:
10:43
